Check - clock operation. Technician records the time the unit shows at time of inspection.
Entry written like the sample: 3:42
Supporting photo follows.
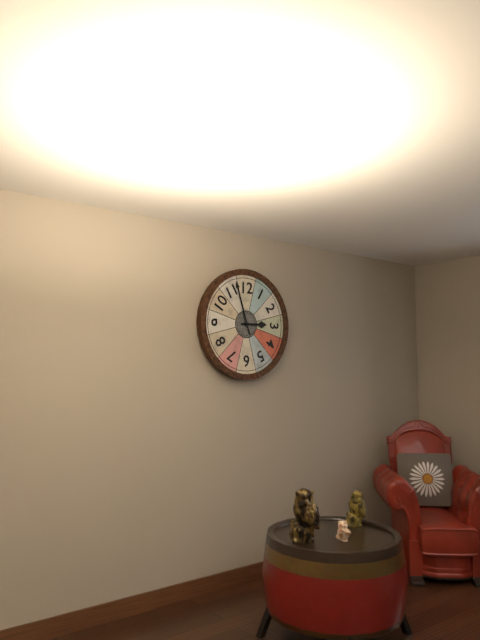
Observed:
2:57
